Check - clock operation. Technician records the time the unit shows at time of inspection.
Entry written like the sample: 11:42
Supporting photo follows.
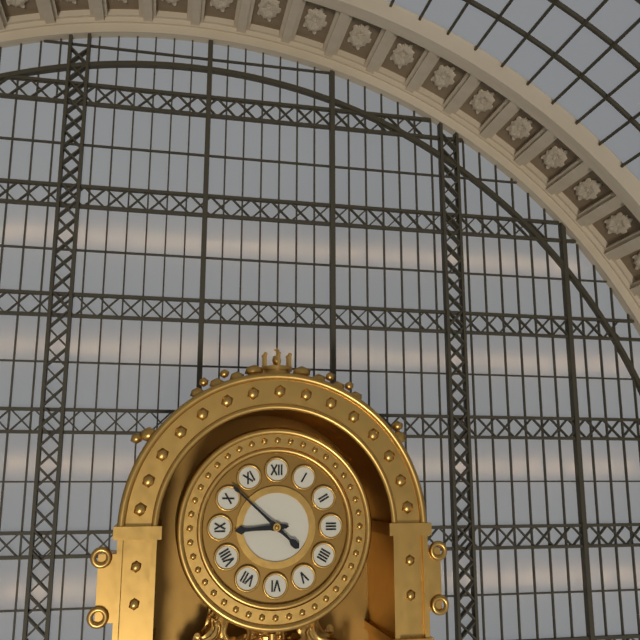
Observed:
8:52
